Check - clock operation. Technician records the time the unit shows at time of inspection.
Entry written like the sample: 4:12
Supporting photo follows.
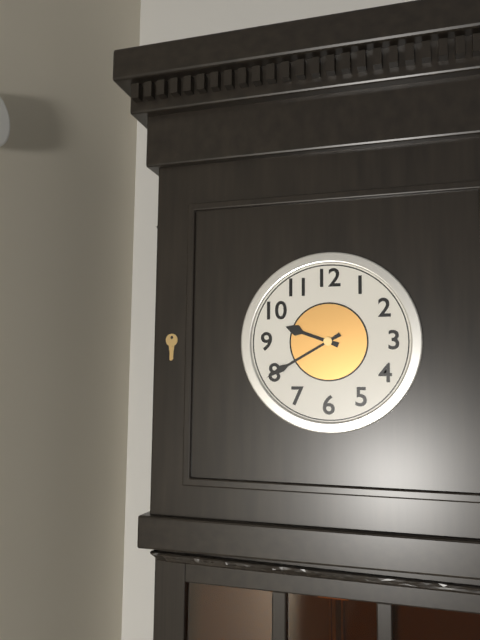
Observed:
9:40
